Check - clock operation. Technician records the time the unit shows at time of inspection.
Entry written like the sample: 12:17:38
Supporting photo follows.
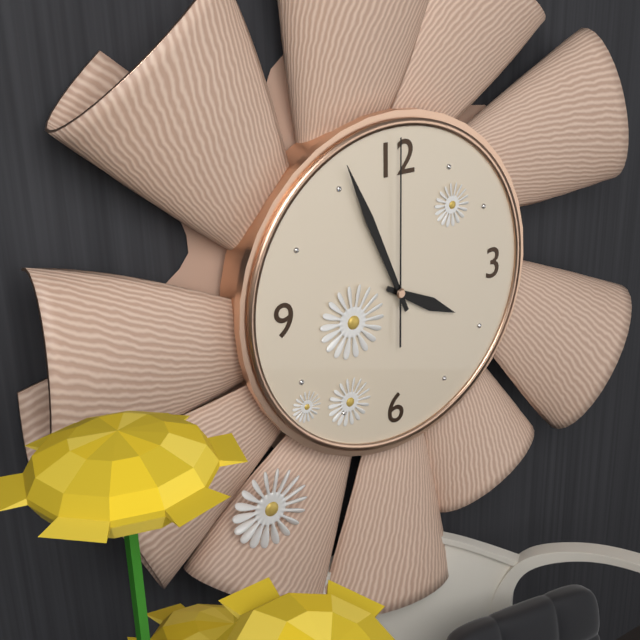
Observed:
3:56:00
